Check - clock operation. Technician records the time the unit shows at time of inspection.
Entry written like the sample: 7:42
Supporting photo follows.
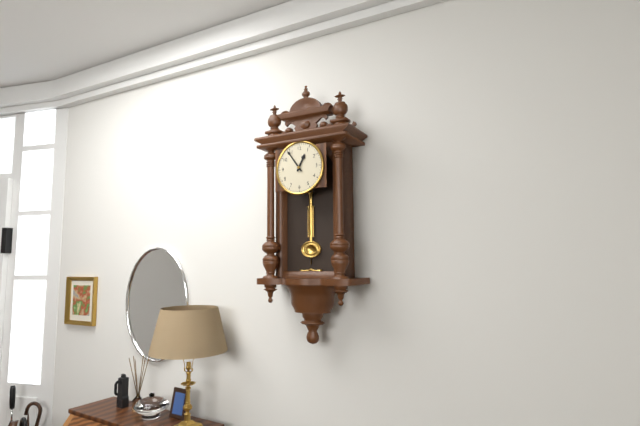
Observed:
12:54
